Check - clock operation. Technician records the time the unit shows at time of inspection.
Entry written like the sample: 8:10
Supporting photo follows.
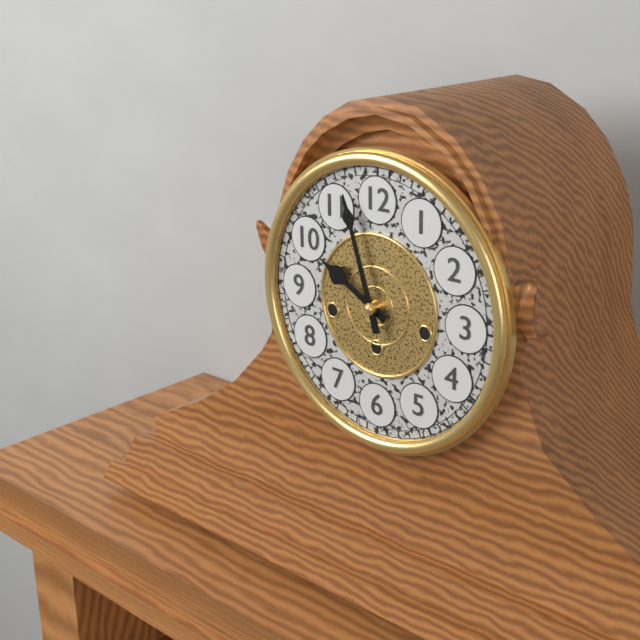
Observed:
9:57
